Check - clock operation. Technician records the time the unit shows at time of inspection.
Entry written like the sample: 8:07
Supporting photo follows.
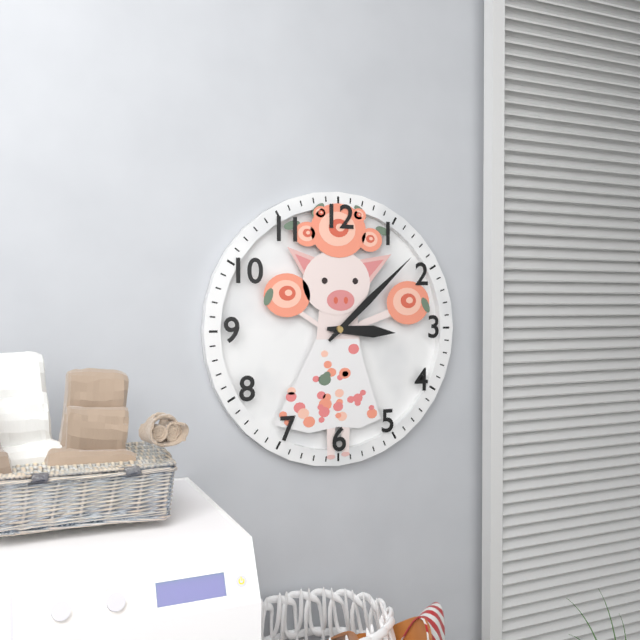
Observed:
3:08
